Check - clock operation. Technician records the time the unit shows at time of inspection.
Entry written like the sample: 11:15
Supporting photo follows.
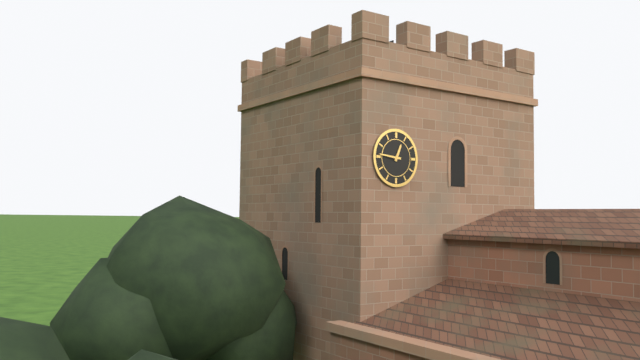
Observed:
12:46
